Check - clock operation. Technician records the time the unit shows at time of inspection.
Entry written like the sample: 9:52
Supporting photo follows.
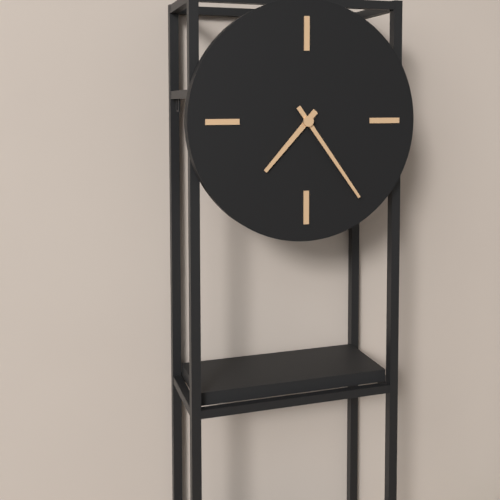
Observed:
7:24
